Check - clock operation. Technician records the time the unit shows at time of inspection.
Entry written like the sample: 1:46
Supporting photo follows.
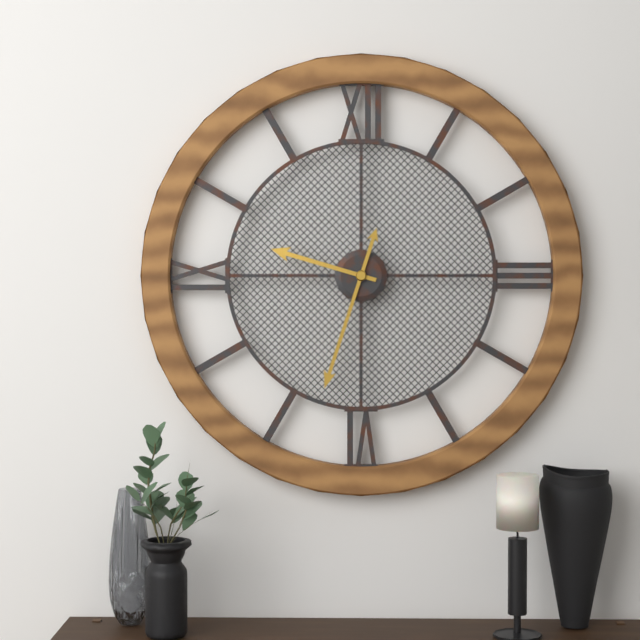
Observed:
9:33
